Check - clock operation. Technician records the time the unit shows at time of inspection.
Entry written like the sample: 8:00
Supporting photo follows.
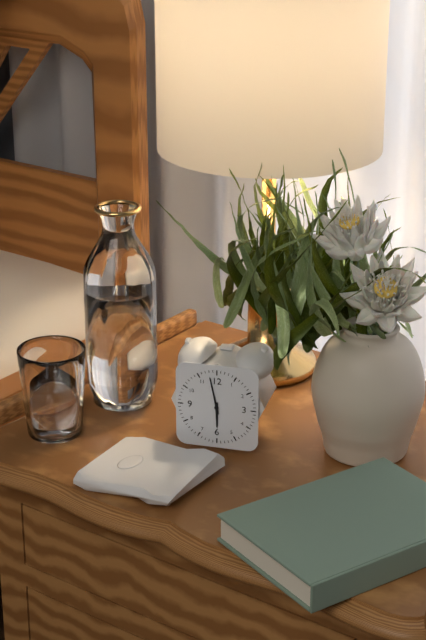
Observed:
5:58
